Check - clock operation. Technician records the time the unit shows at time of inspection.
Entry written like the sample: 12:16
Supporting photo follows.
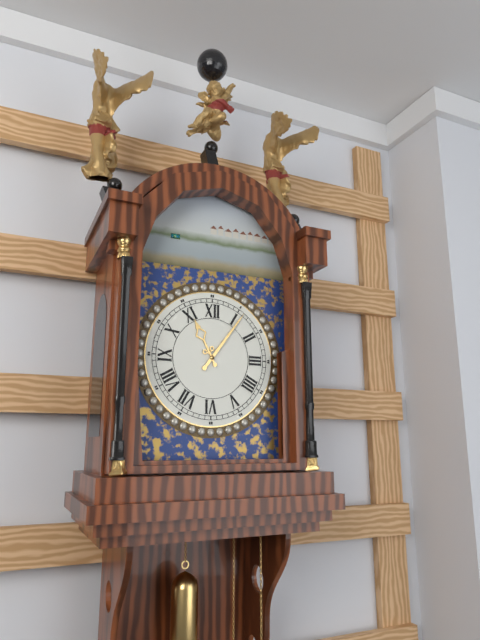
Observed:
11:06
